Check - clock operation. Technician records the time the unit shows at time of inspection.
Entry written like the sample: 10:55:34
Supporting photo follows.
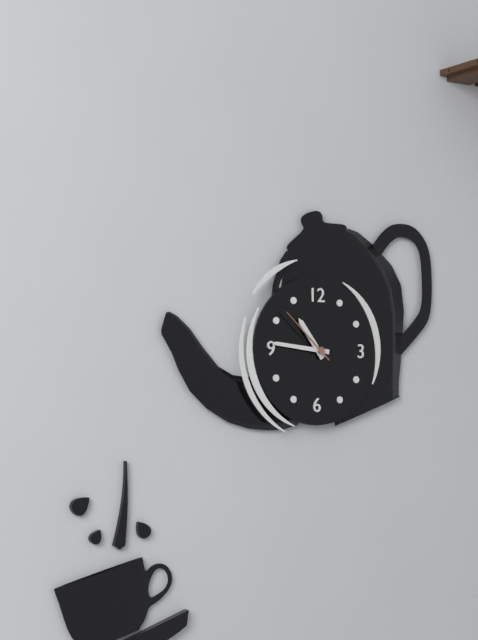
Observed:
10:46:52
